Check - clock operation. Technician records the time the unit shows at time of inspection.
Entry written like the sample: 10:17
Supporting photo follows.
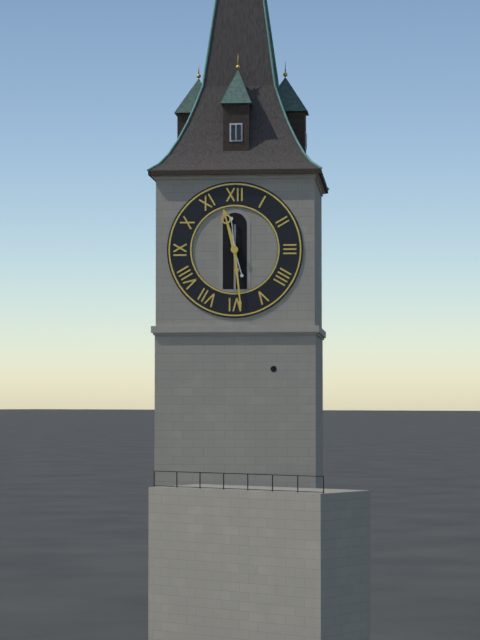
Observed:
11:29
